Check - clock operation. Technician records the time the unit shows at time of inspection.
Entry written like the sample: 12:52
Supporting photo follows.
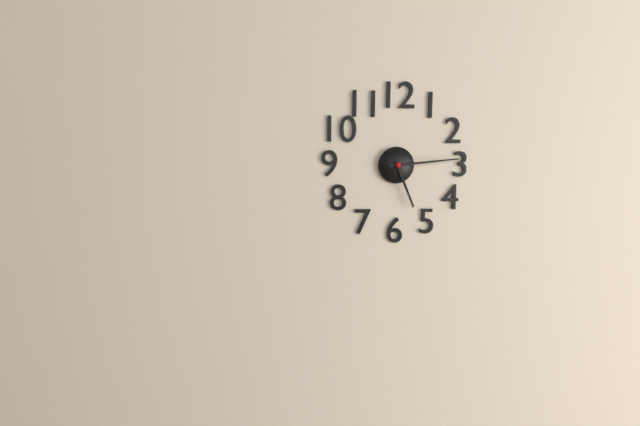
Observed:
5:14
